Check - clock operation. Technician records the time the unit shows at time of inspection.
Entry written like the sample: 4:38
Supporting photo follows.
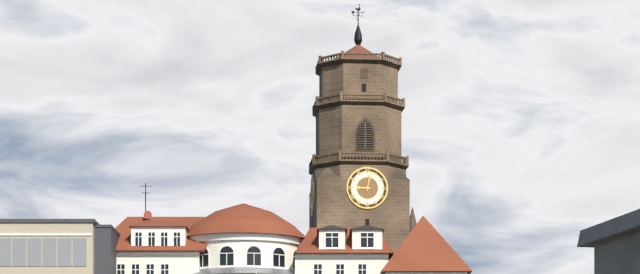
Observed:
9:02
